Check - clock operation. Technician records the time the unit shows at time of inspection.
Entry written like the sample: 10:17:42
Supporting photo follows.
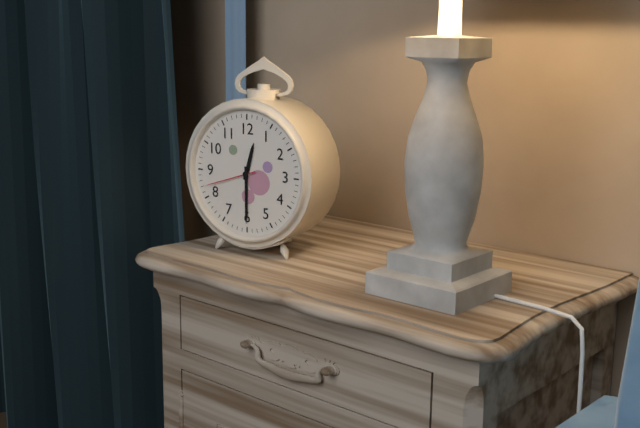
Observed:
12:30:42
